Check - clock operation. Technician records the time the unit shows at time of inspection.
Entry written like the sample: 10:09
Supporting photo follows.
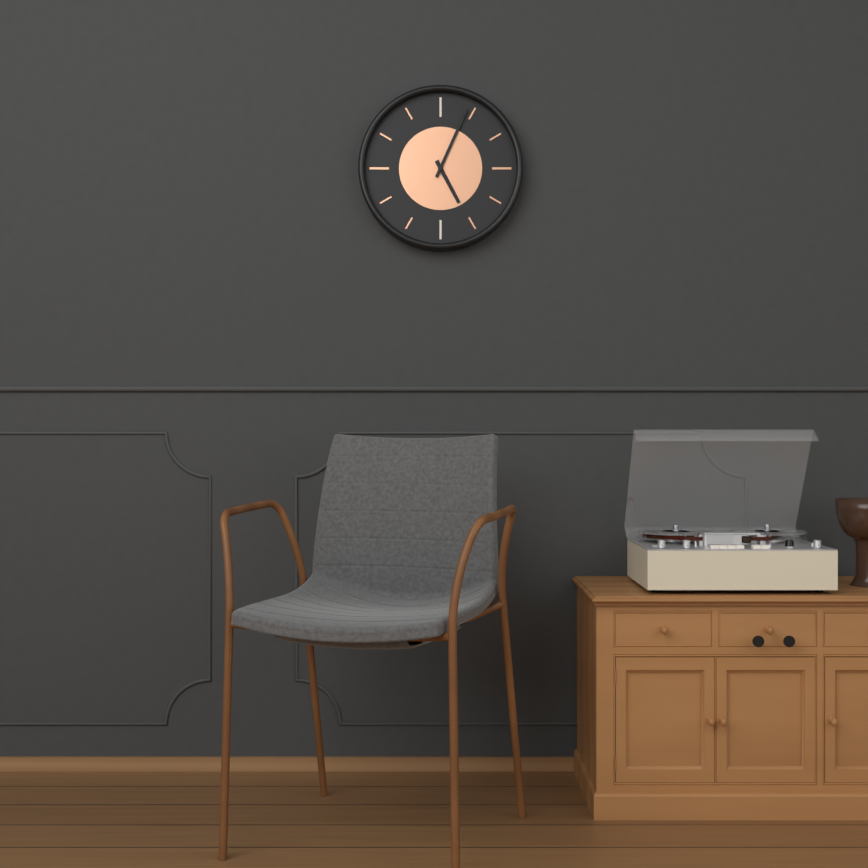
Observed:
5:04
